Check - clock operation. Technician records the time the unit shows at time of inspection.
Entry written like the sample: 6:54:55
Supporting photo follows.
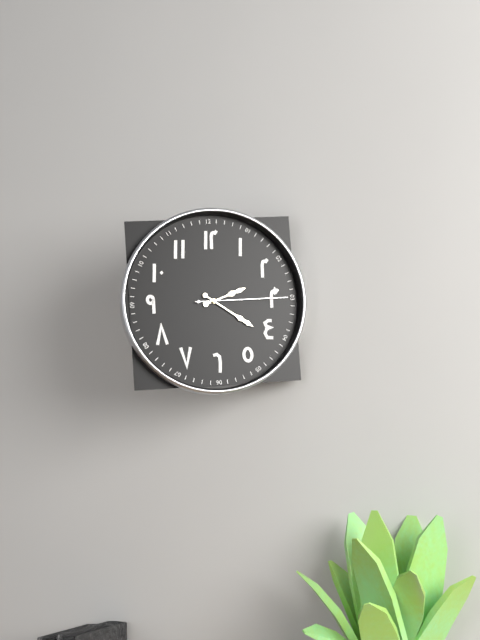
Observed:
2:21:15
